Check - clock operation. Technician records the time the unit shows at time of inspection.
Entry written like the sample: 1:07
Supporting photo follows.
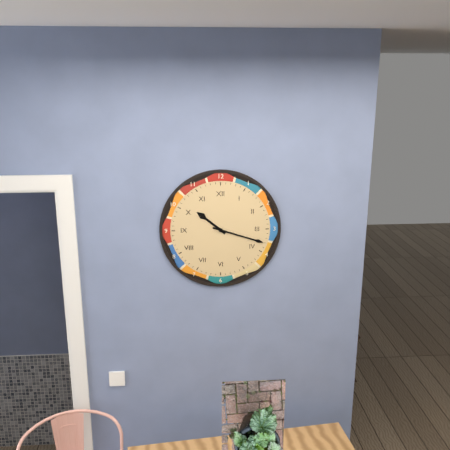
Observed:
10:18
